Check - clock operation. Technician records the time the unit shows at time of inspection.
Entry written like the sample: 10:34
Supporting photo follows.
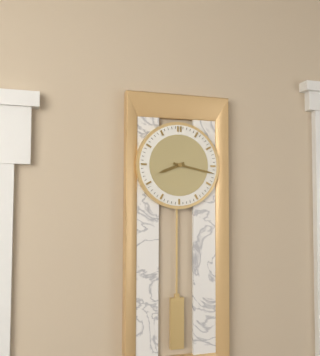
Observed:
8:17
